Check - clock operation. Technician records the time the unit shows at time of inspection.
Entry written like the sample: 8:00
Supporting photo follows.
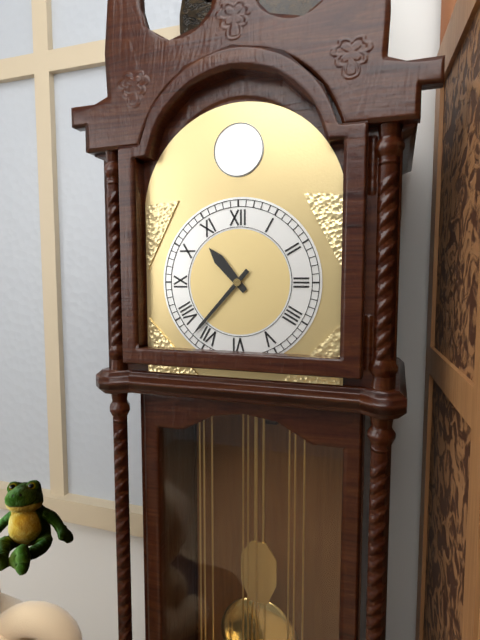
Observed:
10:37
